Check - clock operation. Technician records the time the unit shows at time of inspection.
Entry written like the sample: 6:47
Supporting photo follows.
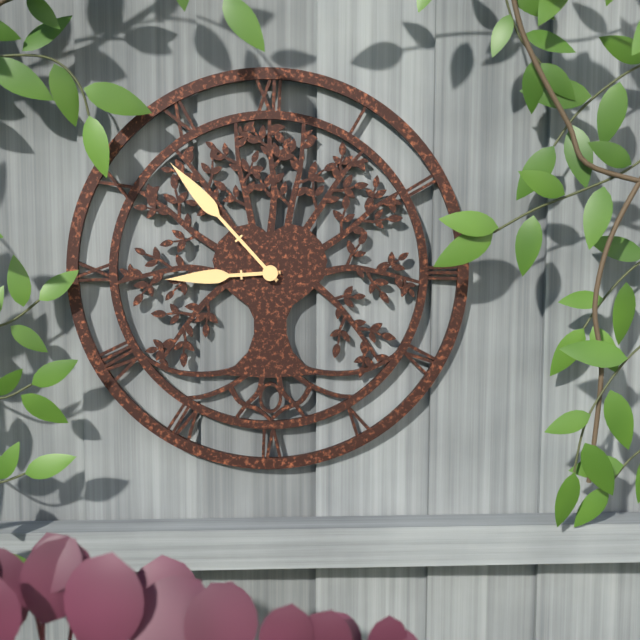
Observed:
8:53
